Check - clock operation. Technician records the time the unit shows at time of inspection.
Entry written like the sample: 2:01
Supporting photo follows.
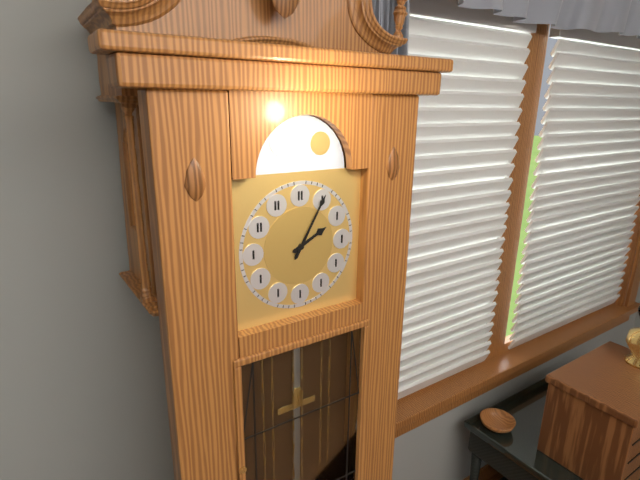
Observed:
2:05
